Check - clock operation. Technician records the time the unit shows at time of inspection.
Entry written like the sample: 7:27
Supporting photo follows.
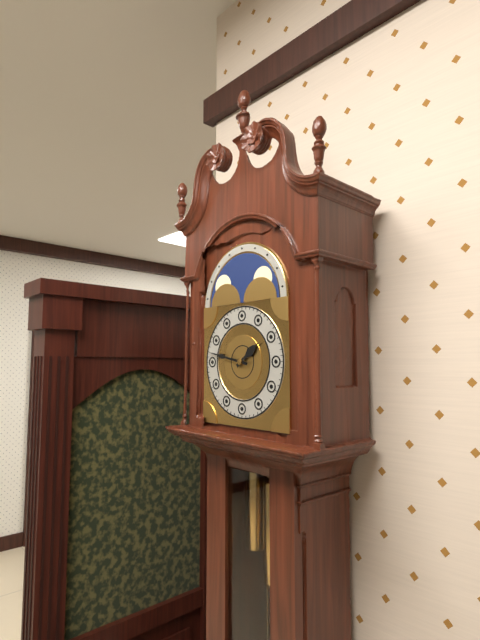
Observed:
1:47
